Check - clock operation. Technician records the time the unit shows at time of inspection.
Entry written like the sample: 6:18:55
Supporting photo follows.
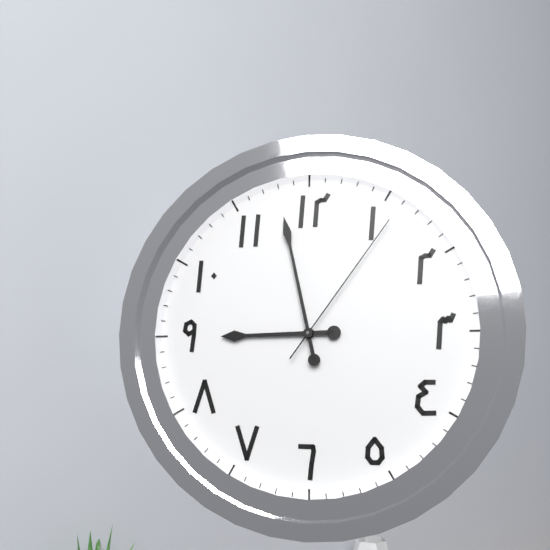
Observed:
8:58:06
